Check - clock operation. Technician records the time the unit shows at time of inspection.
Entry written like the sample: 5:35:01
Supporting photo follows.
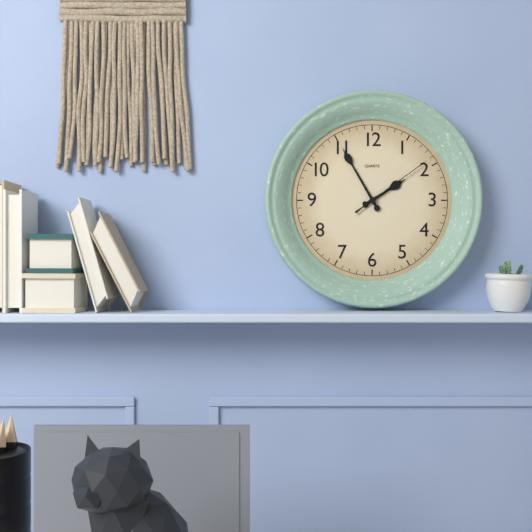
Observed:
1:55:09
